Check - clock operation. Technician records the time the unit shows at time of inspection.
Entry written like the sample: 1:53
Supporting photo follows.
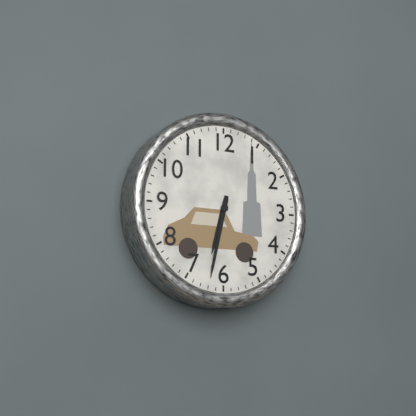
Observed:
6:32
